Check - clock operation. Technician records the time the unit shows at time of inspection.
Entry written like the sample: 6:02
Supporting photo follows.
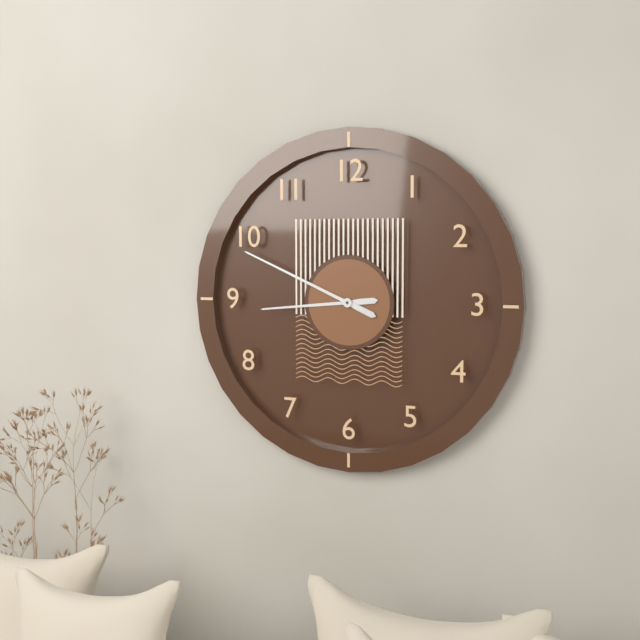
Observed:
8:49
